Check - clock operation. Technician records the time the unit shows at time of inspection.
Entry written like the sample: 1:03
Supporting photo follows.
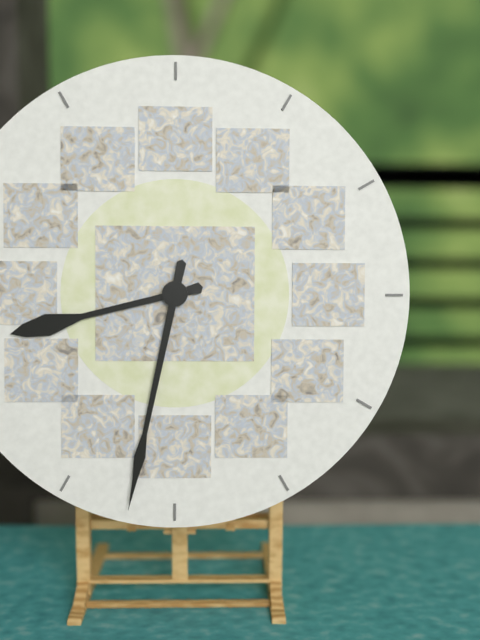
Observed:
8:32
